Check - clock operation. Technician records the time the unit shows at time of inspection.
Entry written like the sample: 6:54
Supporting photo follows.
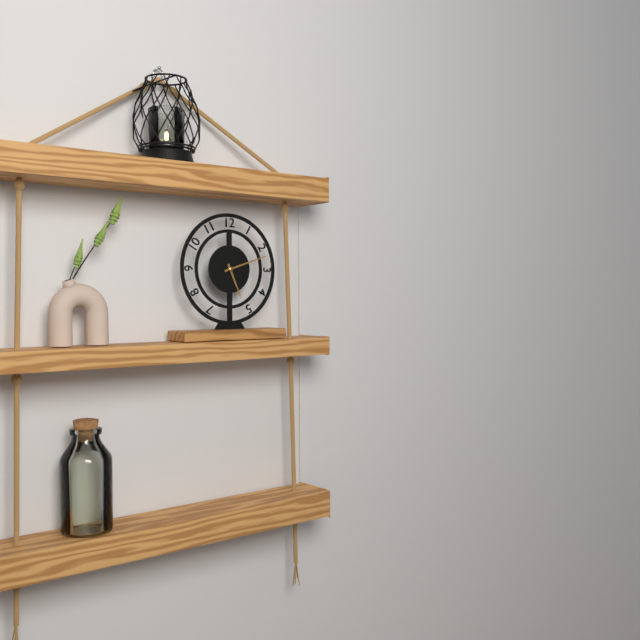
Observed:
5:12
